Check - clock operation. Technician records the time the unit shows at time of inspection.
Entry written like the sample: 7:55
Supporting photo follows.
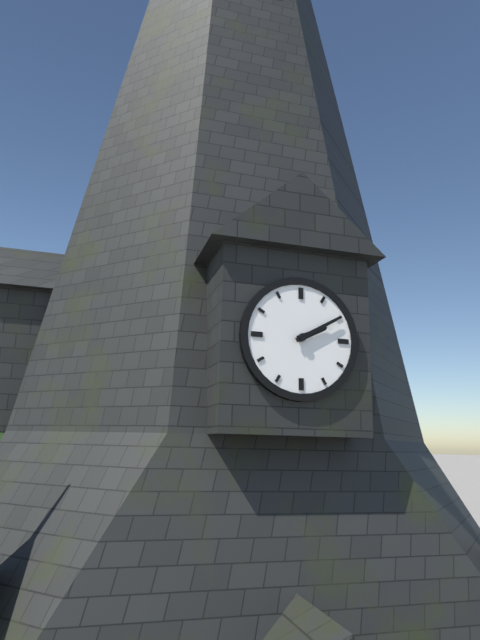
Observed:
2:10
